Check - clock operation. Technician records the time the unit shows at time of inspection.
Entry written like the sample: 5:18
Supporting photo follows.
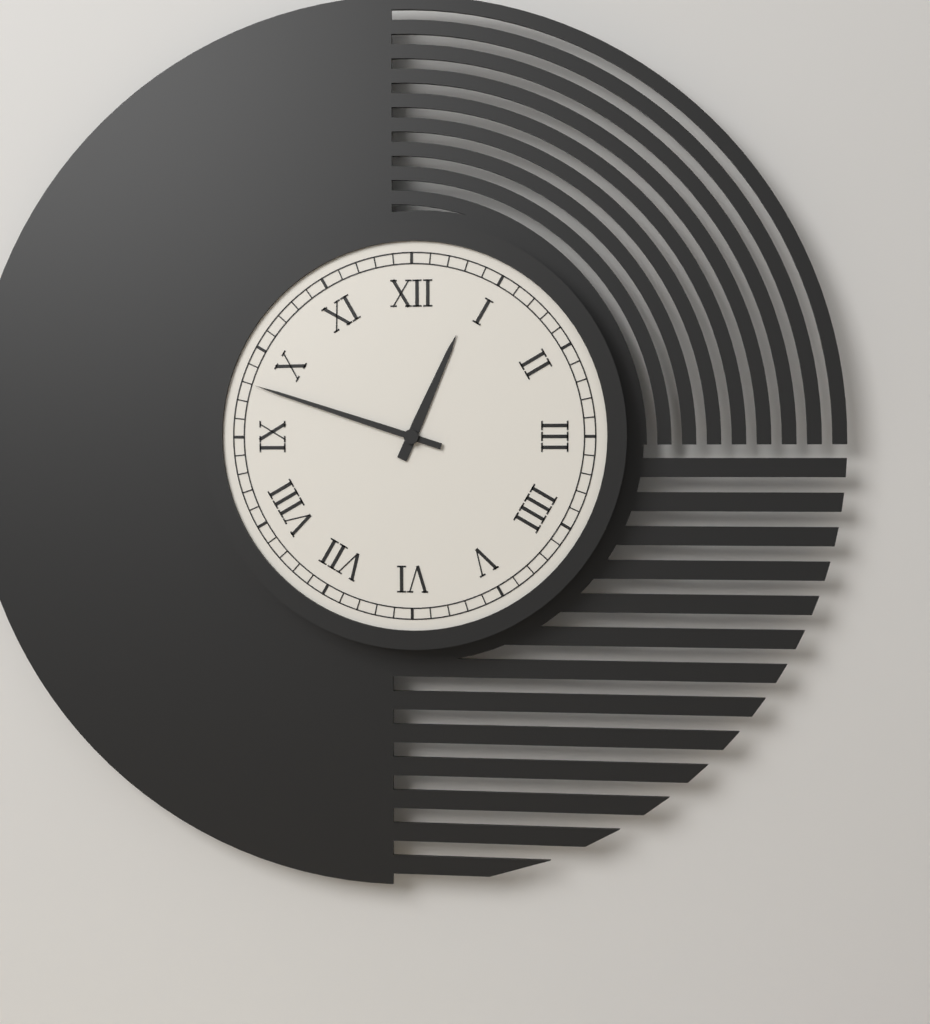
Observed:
12:48
